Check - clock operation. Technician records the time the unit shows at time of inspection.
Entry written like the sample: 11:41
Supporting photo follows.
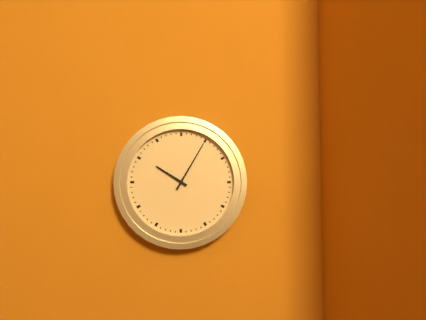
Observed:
10:05
